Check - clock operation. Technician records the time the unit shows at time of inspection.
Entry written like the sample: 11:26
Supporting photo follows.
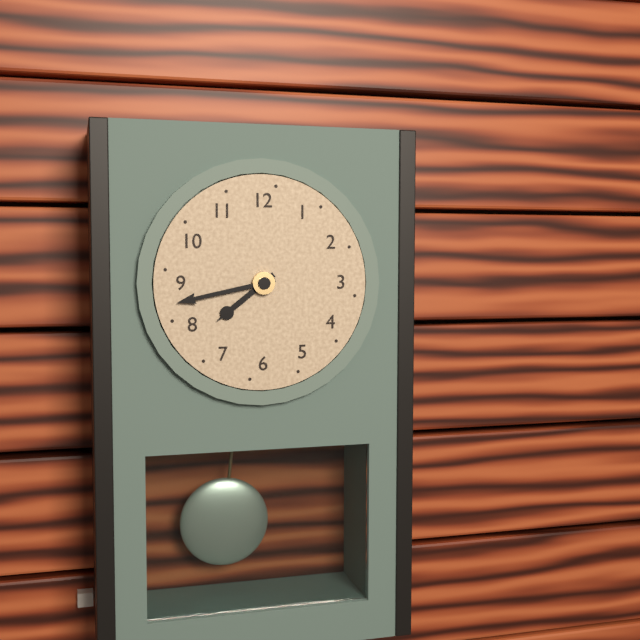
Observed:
7:43
